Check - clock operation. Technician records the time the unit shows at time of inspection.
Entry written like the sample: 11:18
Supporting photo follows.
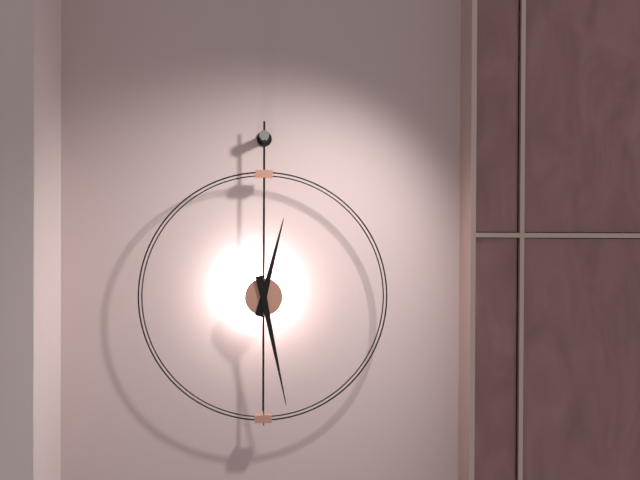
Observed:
12:28
